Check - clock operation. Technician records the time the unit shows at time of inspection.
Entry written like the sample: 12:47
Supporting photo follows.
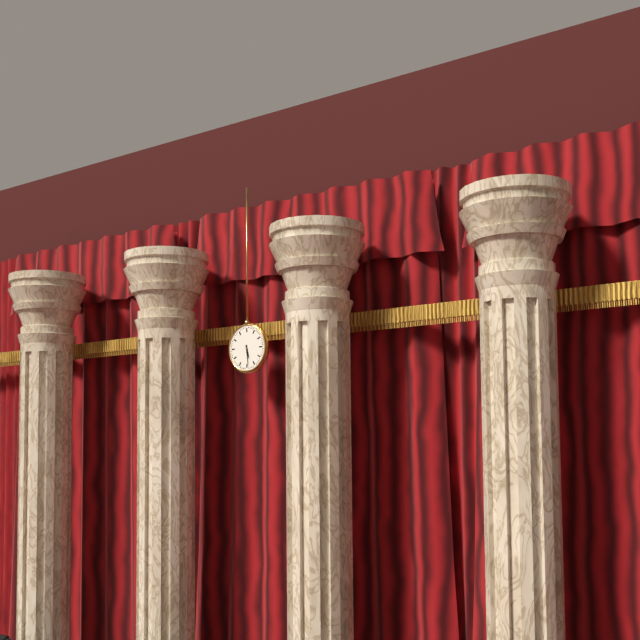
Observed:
5:29
